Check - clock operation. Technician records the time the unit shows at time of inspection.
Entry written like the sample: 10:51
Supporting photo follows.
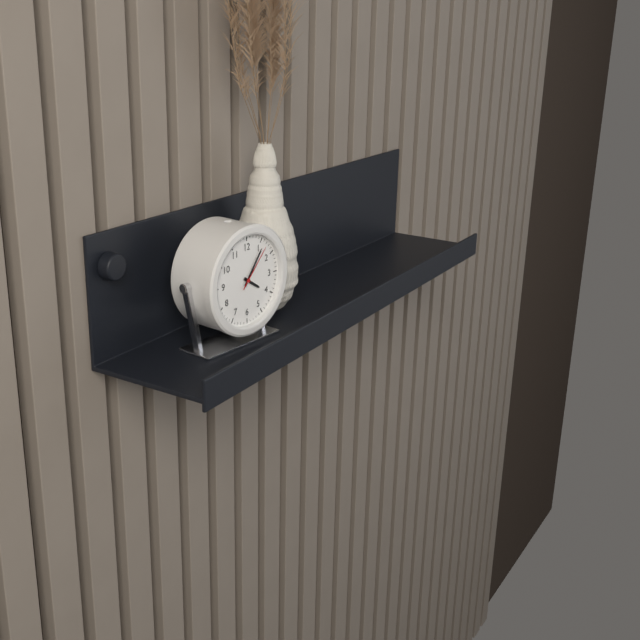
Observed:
4:06
